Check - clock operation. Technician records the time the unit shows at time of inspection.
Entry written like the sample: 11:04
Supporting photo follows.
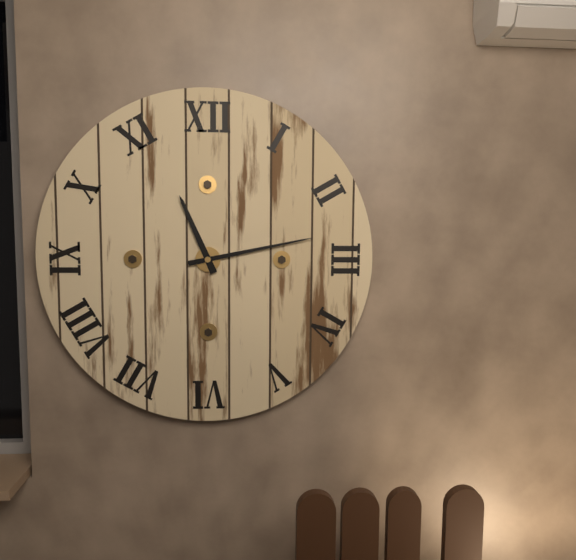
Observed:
11:13
